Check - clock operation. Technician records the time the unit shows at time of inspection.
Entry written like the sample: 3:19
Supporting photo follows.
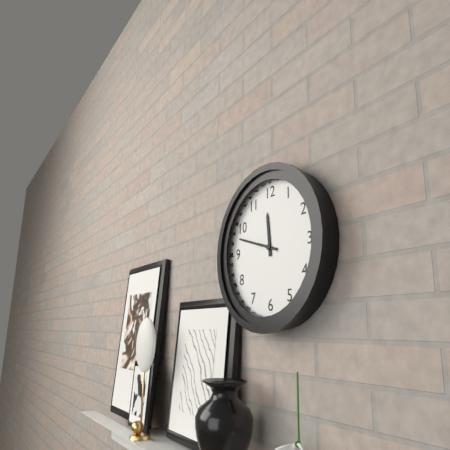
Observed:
11:48
